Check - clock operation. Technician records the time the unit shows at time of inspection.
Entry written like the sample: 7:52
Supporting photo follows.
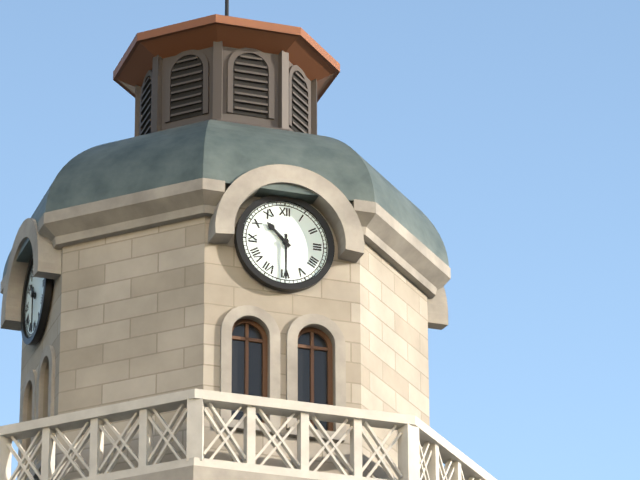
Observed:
10:30
